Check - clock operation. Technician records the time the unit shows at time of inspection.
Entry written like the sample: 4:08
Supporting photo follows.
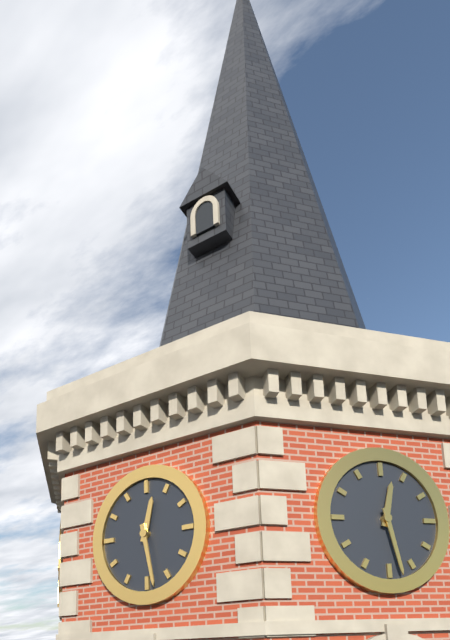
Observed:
12:28
